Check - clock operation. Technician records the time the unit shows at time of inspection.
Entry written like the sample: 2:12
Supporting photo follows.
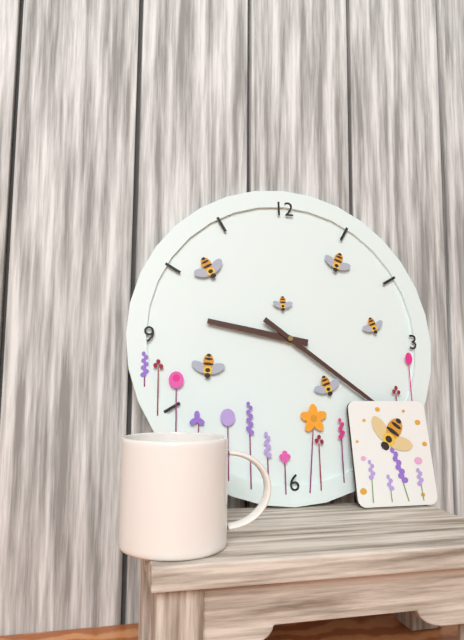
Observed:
9:21
